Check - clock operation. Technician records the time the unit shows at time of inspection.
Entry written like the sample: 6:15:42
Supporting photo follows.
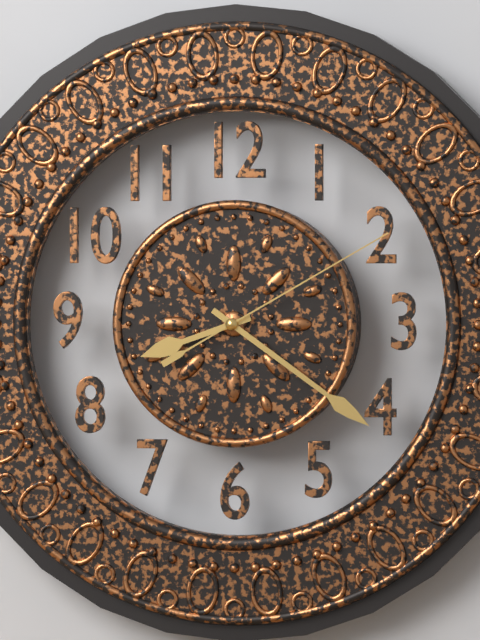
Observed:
8:21:10
